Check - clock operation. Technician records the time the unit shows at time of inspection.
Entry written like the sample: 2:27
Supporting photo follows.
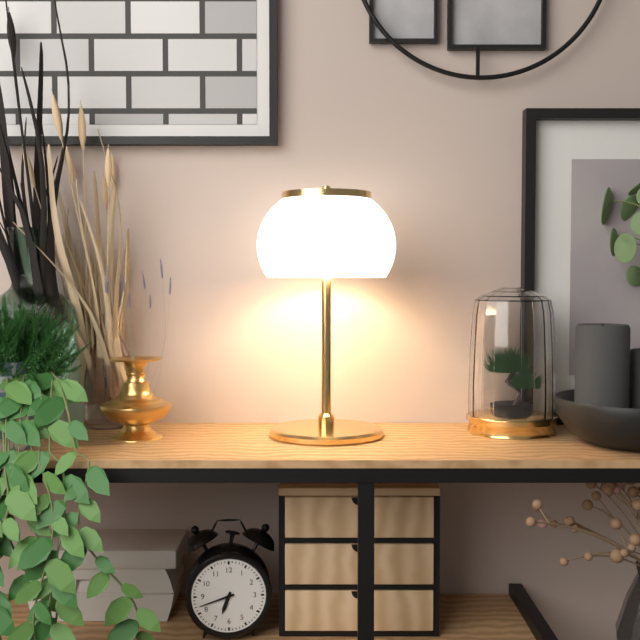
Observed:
6:42
